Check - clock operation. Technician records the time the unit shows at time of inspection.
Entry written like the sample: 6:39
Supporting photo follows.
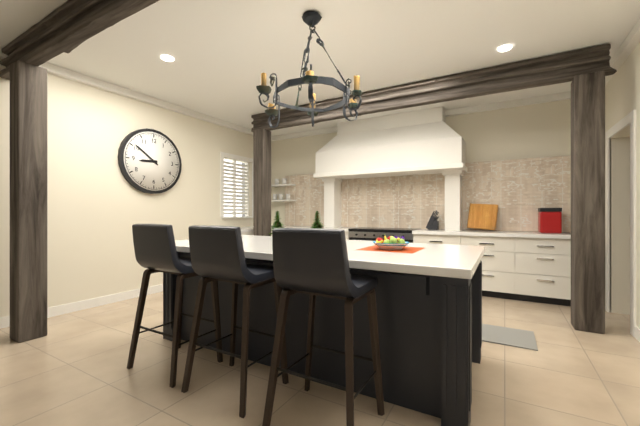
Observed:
8:51
